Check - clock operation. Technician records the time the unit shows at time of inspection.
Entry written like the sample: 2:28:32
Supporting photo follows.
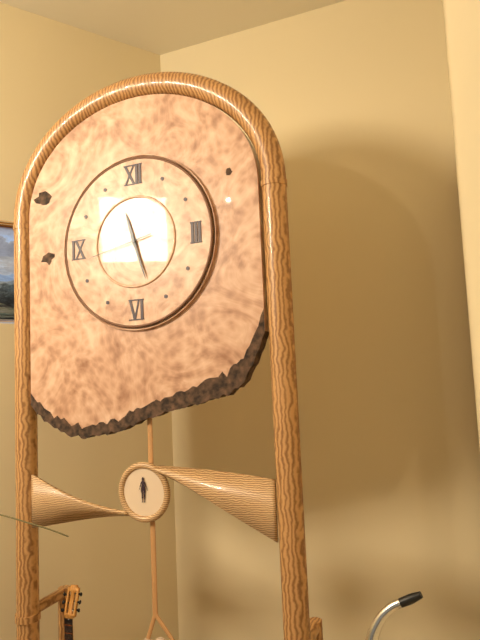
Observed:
11:27:43
